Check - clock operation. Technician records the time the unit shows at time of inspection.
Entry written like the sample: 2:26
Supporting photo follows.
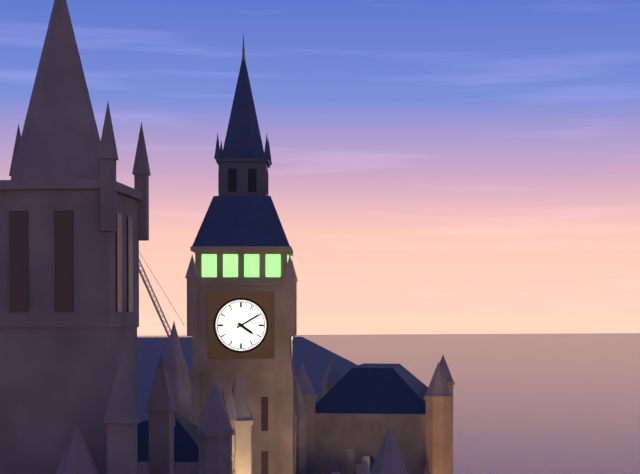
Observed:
4:10
